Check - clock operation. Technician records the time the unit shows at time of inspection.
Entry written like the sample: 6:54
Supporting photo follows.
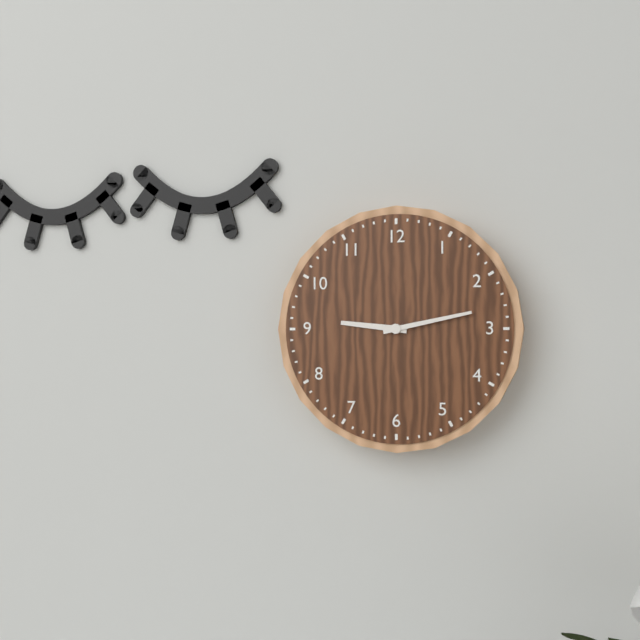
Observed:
9:13
